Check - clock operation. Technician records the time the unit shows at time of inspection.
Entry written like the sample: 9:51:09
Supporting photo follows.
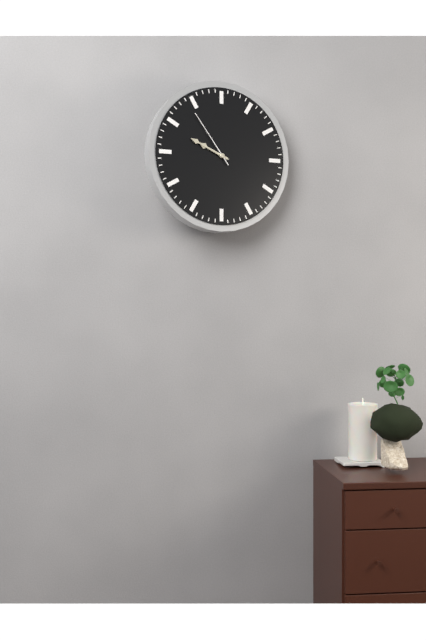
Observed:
9:49:54
